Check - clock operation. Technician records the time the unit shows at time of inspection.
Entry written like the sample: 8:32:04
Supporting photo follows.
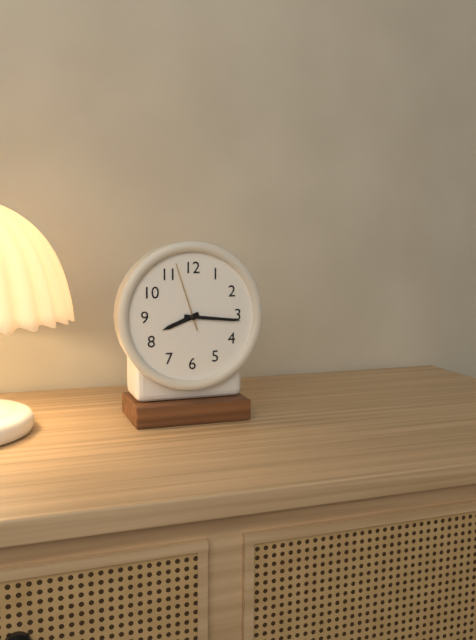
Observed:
8:16:57
